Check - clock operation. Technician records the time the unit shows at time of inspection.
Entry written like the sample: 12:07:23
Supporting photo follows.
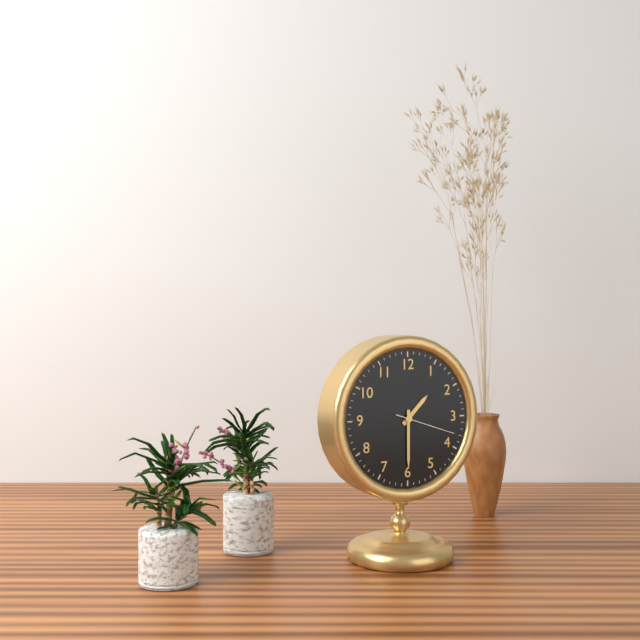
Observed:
1:30:18
